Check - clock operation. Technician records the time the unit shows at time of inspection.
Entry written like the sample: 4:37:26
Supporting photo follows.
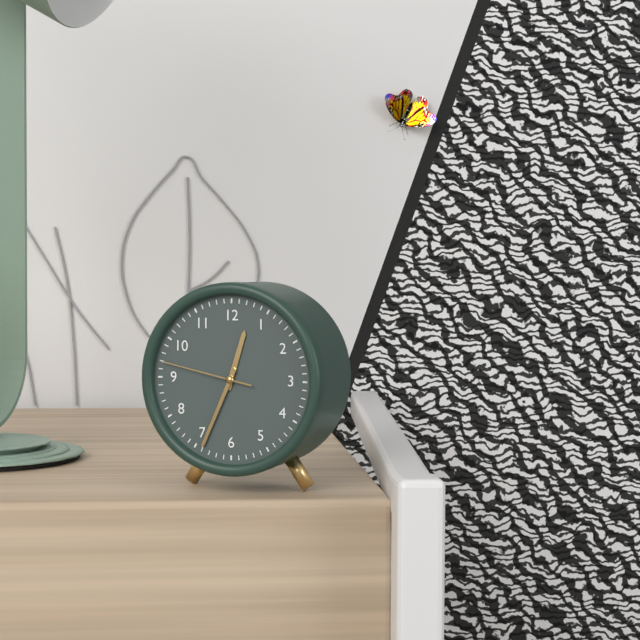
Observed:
12:34:47
